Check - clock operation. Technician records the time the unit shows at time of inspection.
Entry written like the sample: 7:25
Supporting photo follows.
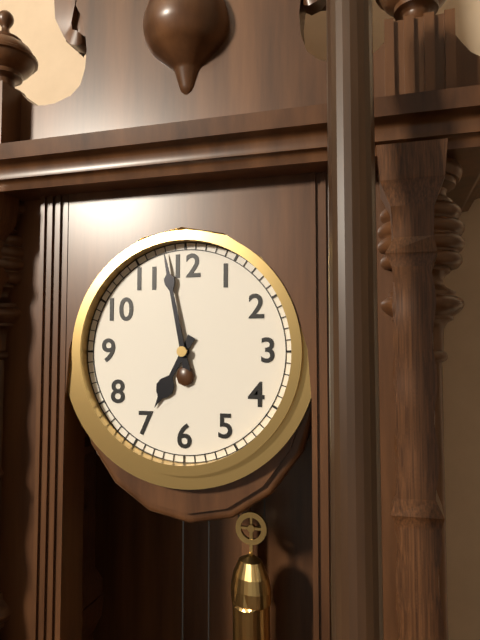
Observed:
6:58
